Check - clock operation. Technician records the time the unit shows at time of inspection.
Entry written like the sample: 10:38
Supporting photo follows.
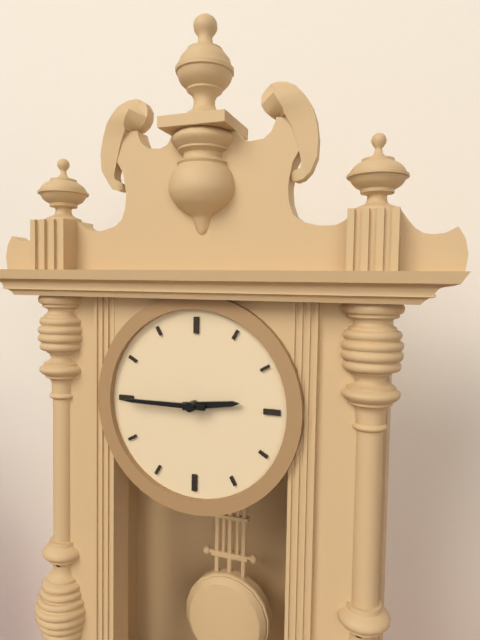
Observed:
2:45
